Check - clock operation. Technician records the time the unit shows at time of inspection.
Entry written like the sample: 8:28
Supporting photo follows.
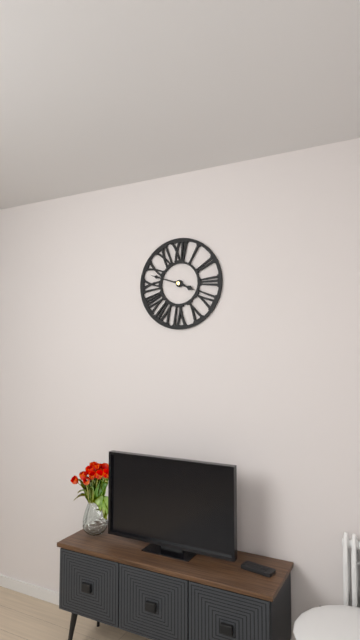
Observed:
3:48
